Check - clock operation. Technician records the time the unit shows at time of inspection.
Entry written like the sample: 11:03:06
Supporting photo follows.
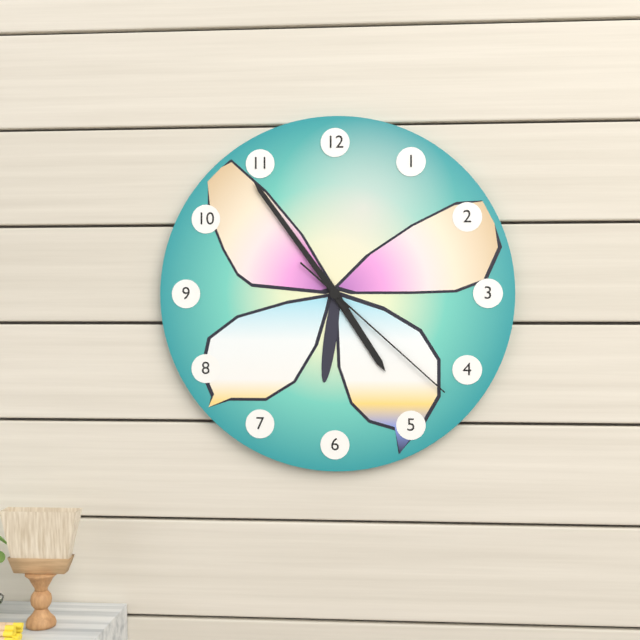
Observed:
4:54:22
